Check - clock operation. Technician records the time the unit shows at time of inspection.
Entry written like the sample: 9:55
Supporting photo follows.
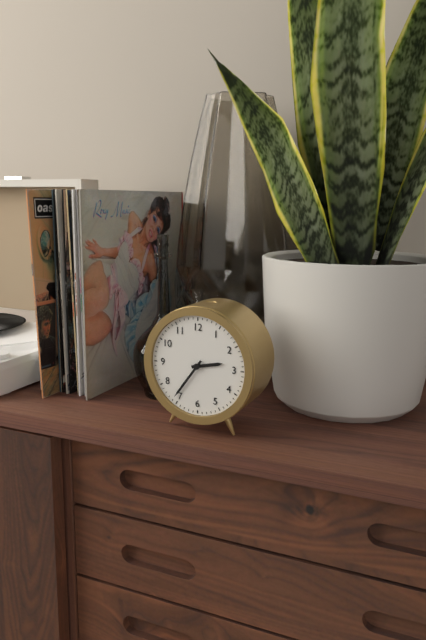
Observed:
2:36
